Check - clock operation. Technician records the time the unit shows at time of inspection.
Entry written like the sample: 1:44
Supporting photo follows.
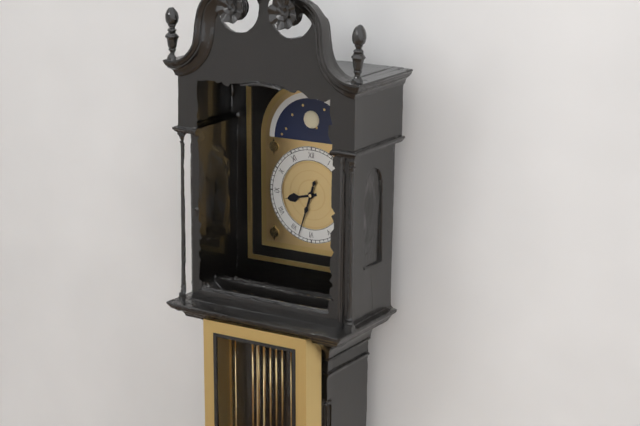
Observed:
8:33
